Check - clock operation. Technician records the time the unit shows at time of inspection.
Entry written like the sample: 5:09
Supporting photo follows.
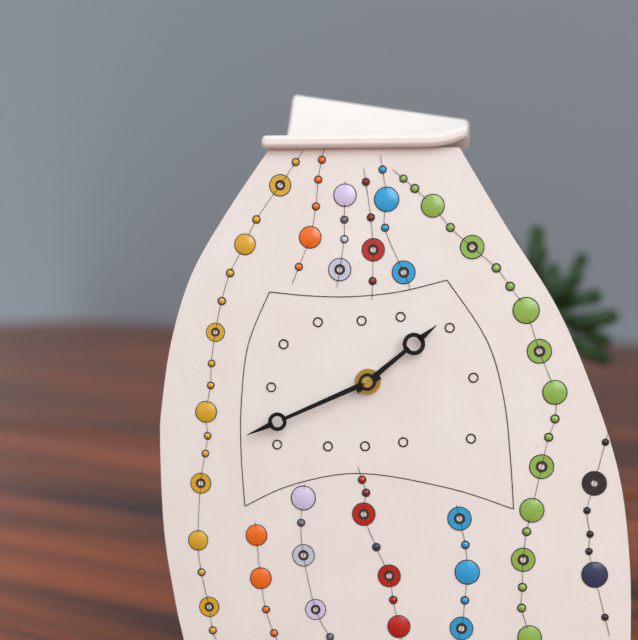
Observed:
1:41
